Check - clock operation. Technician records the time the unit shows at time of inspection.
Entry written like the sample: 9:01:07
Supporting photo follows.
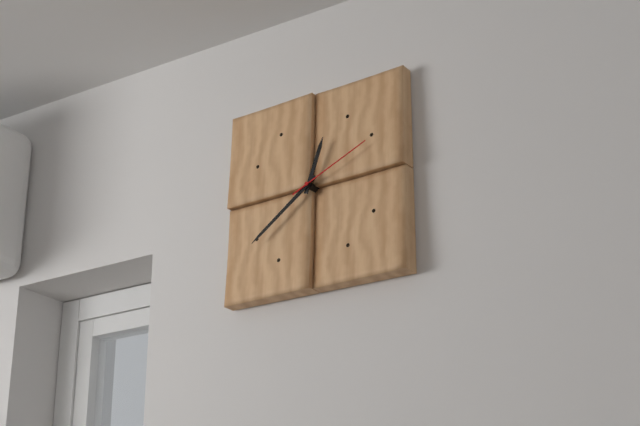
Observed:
12:39:11
